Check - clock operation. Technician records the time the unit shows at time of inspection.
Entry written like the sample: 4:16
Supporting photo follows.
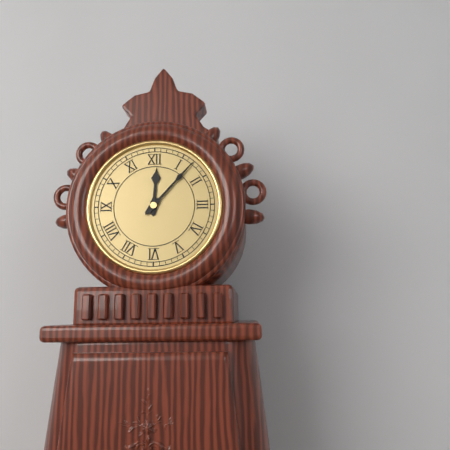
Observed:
12:07
